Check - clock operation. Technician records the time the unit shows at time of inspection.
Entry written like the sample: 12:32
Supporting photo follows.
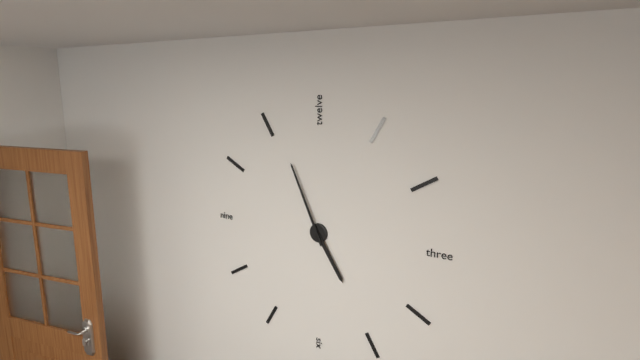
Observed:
4:56
